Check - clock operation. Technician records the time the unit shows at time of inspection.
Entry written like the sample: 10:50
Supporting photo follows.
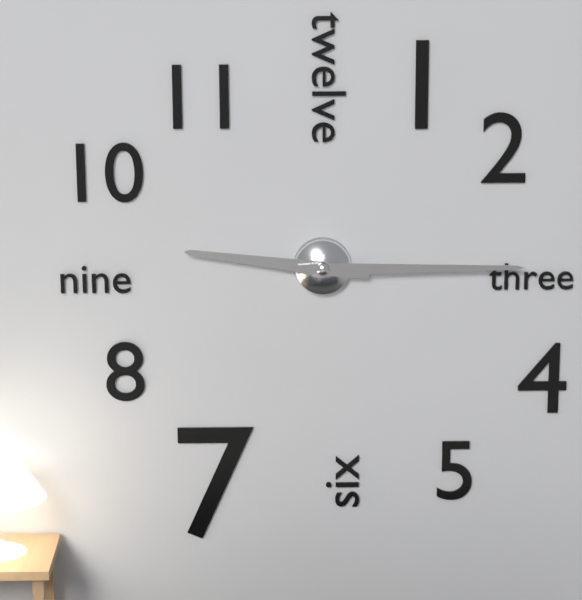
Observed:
9:15
